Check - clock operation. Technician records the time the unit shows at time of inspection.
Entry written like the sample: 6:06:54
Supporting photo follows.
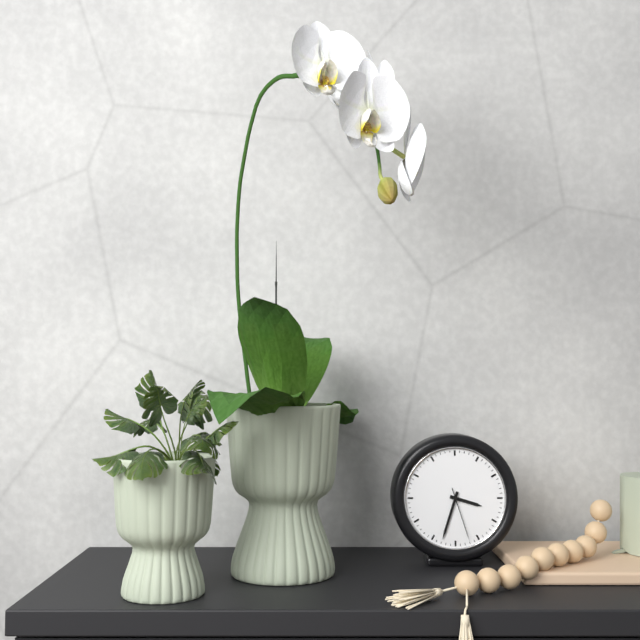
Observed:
3:33:27
